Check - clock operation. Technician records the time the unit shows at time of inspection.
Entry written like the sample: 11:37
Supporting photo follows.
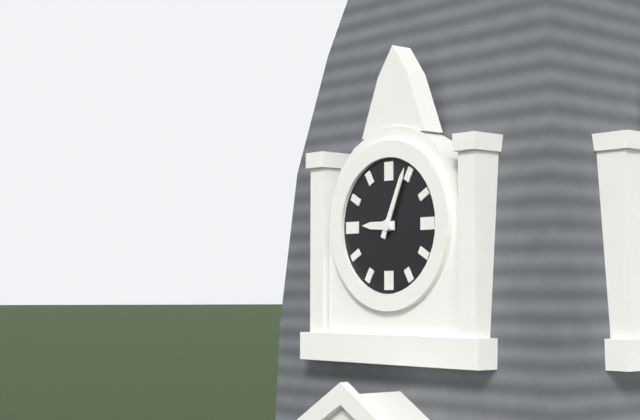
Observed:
9:04
